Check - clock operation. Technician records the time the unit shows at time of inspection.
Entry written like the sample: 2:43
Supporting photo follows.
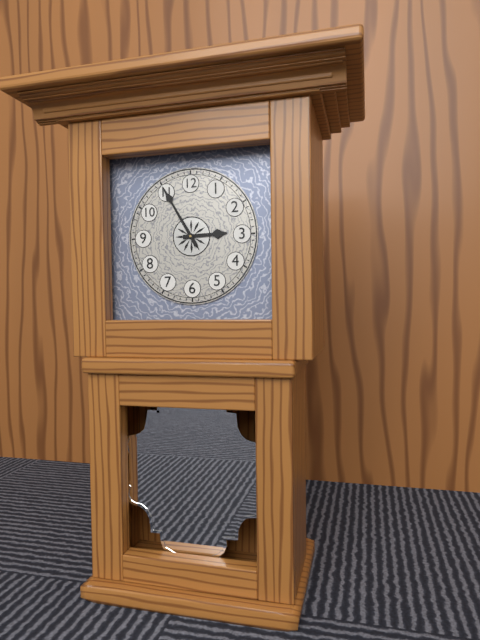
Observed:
2:55
